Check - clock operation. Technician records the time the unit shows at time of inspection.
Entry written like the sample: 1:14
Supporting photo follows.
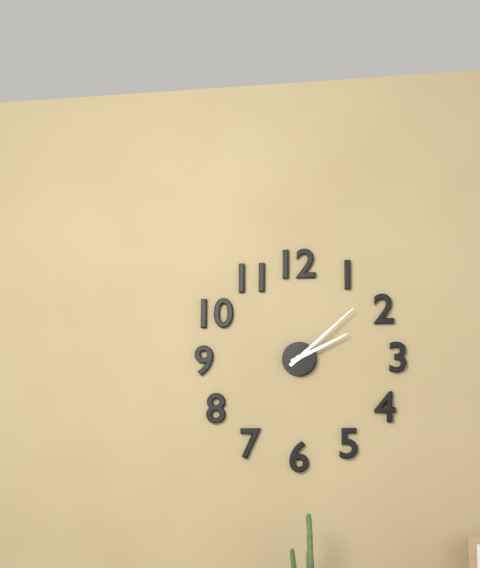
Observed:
2:08
